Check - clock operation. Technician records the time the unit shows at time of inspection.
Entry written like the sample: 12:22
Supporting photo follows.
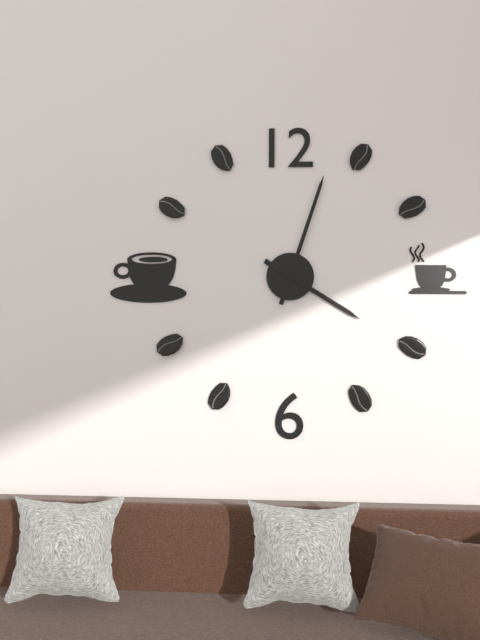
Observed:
4:03
